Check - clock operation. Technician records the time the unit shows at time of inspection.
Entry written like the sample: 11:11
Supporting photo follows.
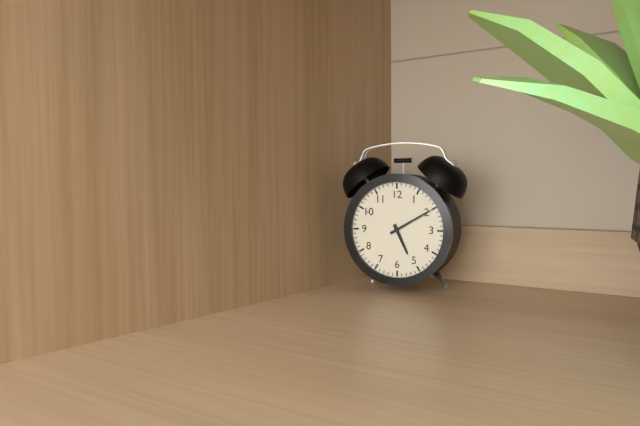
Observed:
5:10
